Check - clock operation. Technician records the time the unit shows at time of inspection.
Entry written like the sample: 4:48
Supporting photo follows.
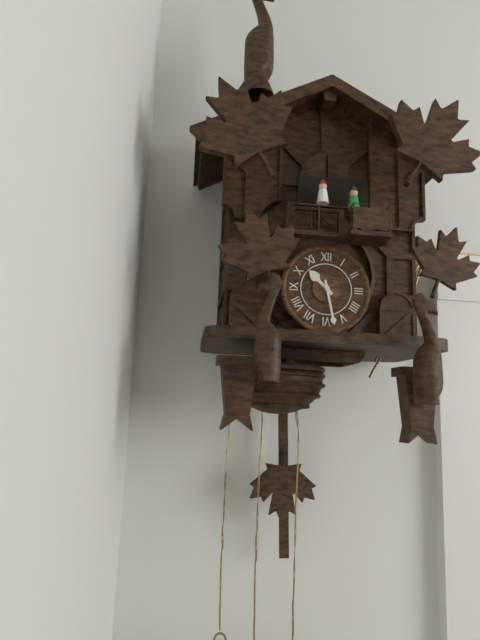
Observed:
10:28
